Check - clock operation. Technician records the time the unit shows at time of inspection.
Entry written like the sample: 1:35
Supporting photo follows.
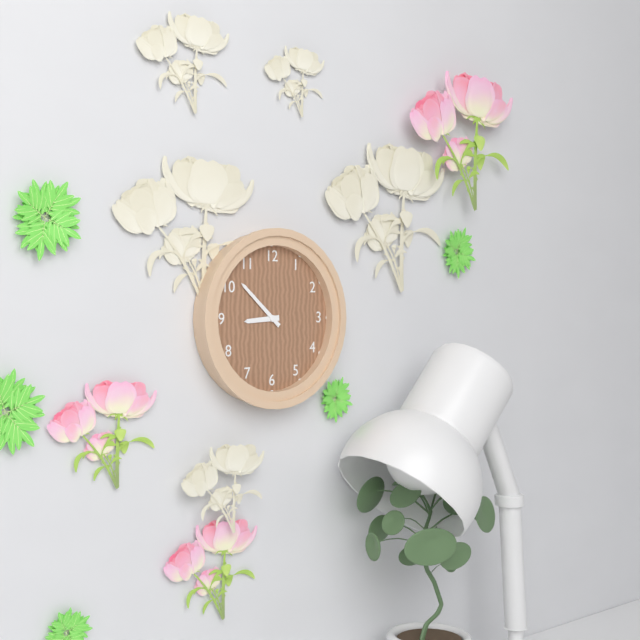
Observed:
8:52
